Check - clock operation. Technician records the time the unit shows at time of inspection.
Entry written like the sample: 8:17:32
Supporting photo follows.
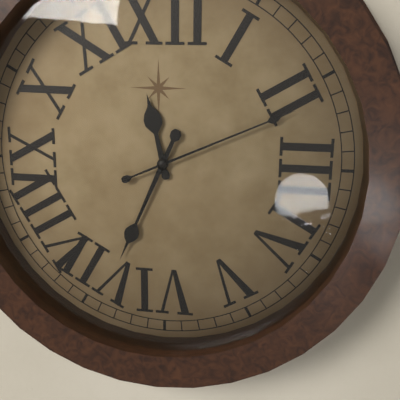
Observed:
11:34:11
